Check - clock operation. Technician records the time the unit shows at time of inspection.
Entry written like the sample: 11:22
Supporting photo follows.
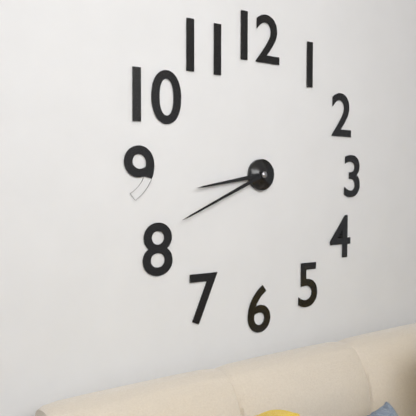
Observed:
8:41
